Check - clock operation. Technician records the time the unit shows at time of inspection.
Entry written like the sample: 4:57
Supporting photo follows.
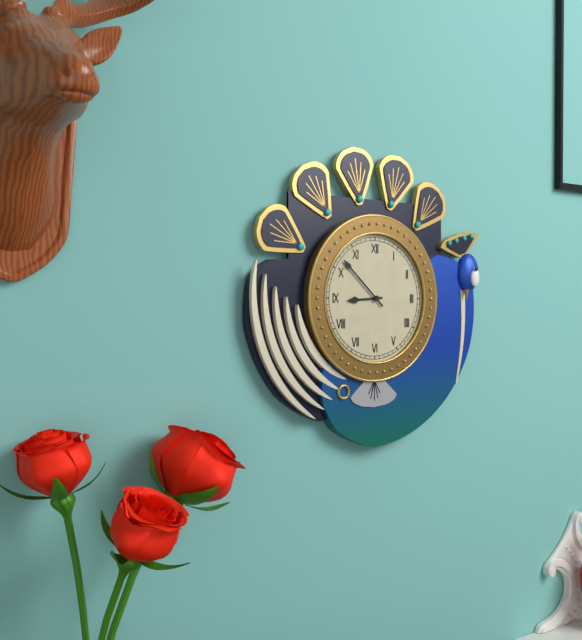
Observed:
8:52
